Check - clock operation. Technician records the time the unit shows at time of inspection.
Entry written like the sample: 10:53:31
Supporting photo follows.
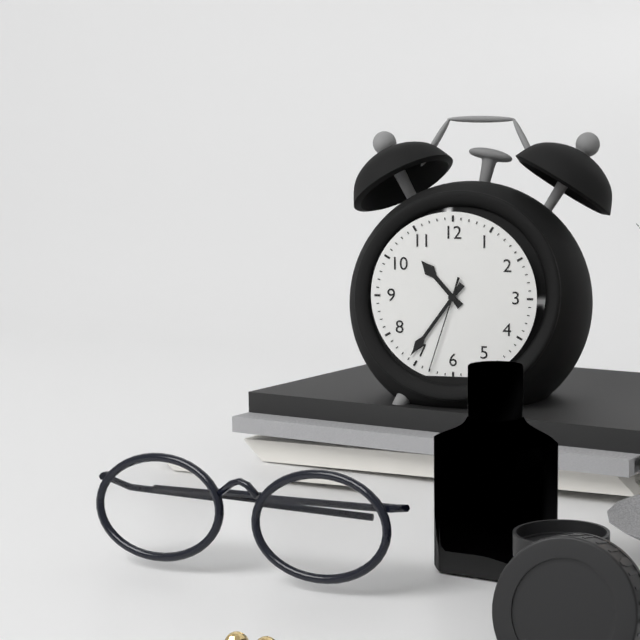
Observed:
10:36:33
